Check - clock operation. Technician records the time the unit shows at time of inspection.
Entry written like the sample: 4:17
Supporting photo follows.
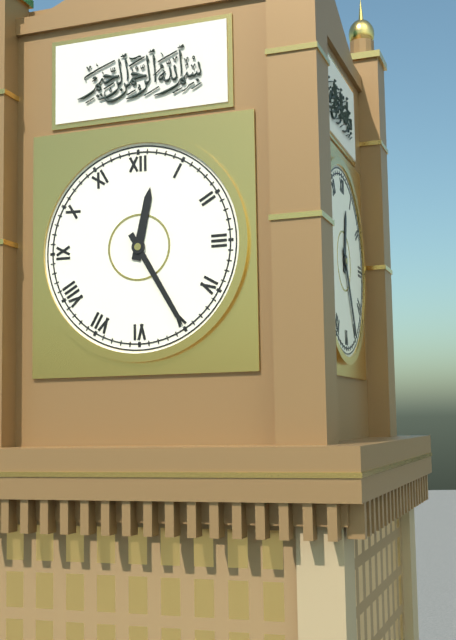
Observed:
12:25
